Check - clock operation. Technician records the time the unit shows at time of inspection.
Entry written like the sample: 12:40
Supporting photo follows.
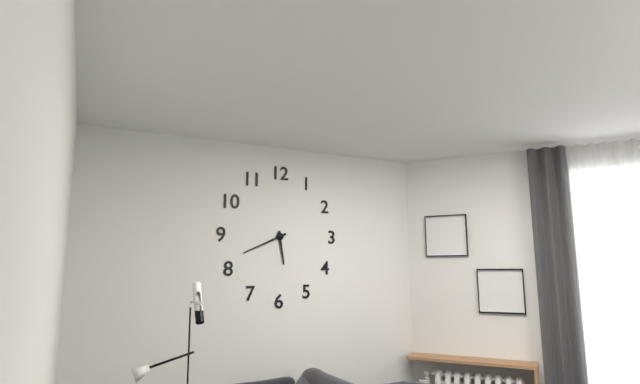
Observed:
5:41
